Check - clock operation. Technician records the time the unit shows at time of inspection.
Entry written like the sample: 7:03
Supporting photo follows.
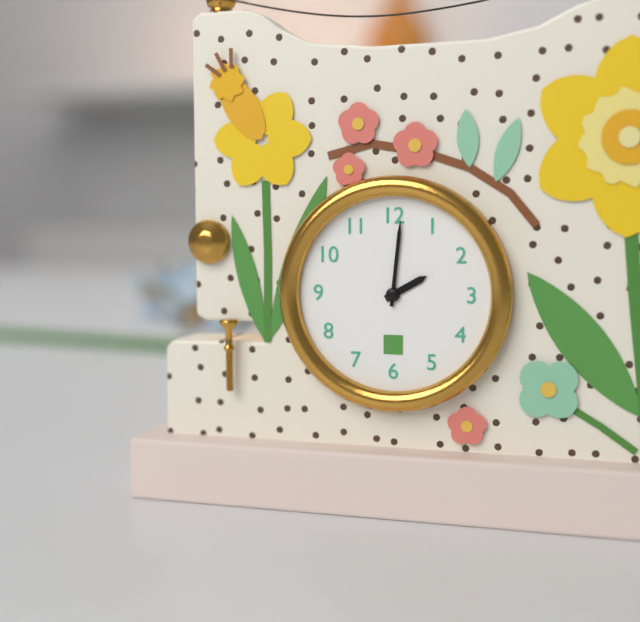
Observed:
2:01
